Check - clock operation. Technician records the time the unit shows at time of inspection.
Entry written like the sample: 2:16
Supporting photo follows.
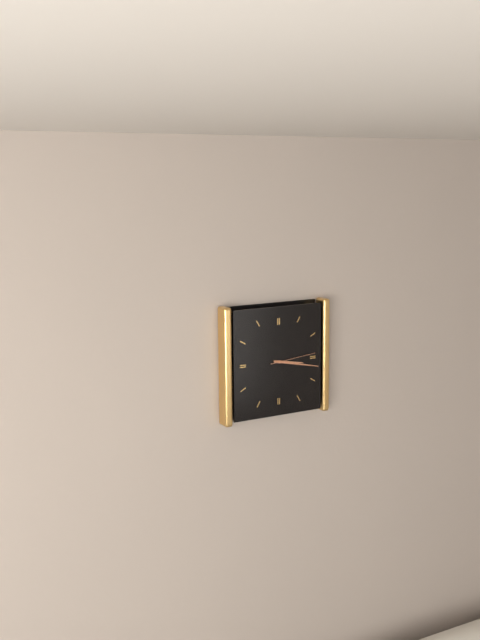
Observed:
3:17
